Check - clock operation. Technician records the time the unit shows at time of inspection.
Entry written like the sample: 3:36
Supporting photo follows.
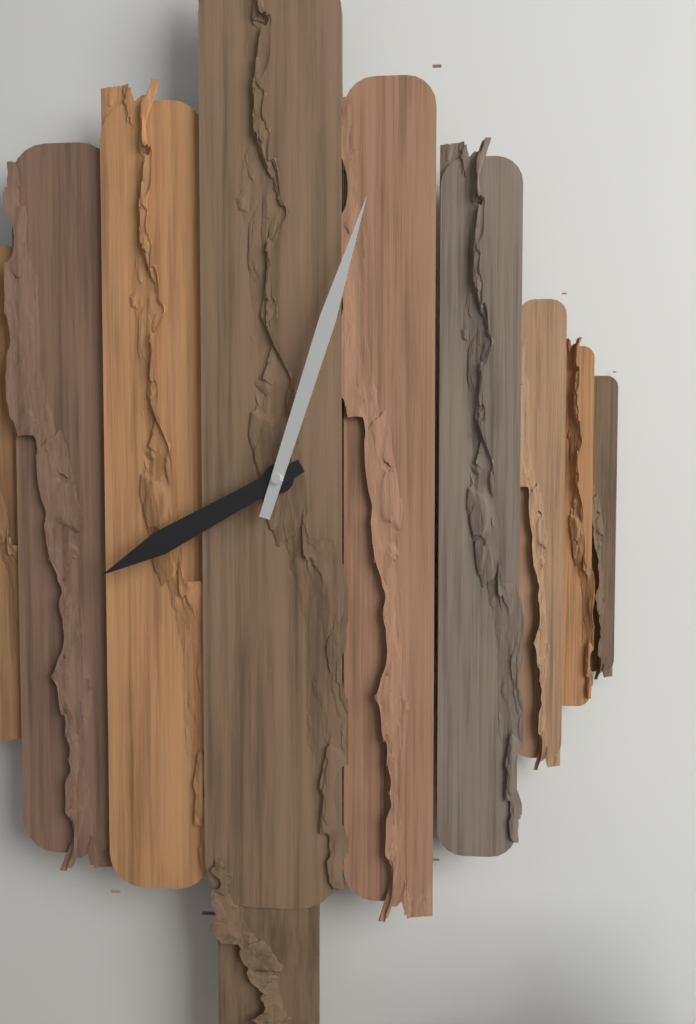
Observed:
8:03
